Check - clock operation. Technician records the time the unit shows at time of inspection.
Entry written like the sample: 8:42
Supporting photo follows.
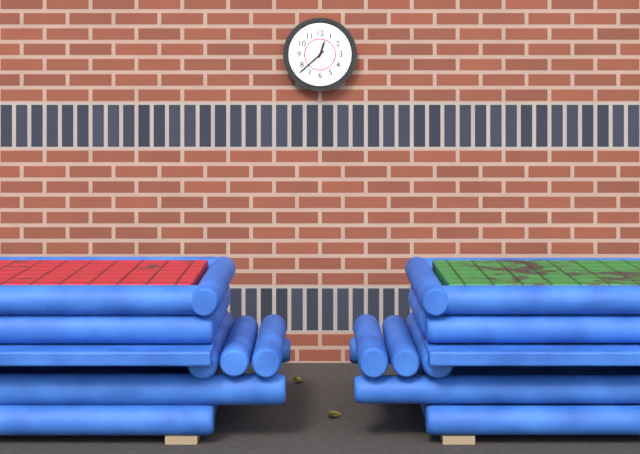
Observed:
12:38
